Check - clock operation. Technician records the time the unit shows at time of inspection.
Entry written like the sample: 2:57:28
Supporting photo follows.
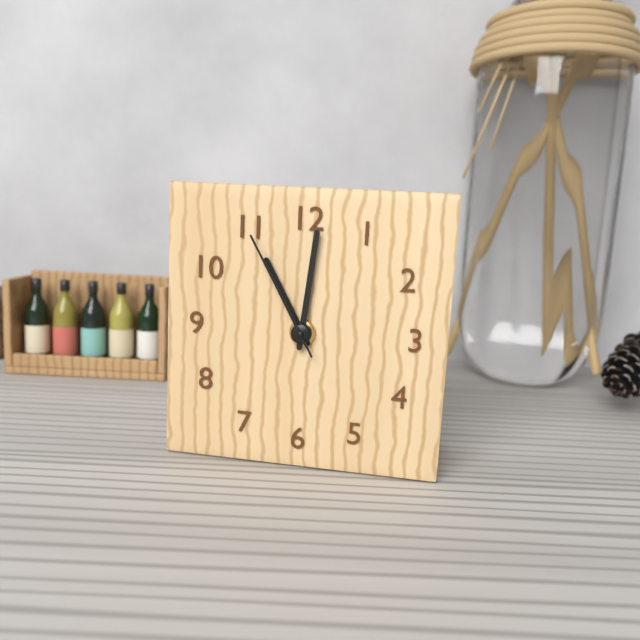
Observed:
11:01:55
